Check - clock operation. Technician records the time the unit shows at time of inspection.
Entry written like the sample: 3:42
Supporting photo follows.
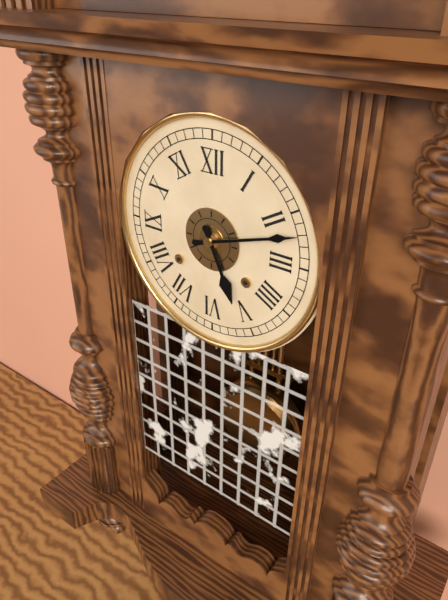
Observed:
5:12
